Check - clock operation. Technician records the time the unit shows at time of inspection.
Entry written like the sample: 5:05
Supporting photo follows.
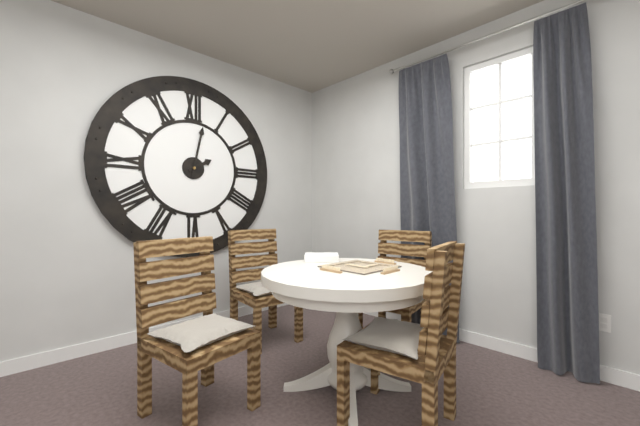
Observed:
2:02
